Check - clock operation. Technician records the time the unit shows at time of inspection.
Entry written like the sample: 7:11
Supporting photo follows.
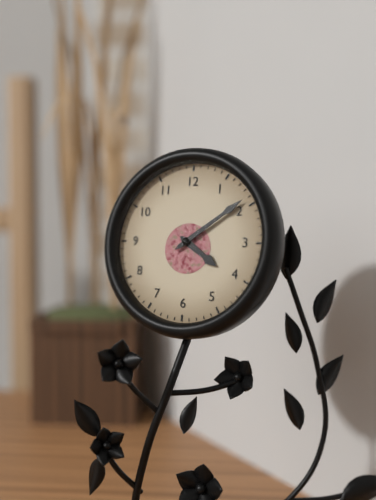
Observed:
4:09
